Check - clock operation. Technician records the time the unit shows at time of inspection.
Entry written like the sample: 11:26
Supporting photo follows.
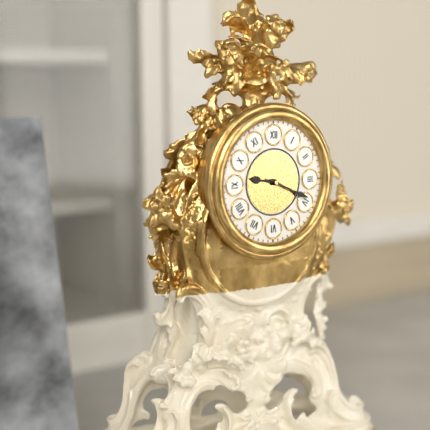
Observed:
9:19
